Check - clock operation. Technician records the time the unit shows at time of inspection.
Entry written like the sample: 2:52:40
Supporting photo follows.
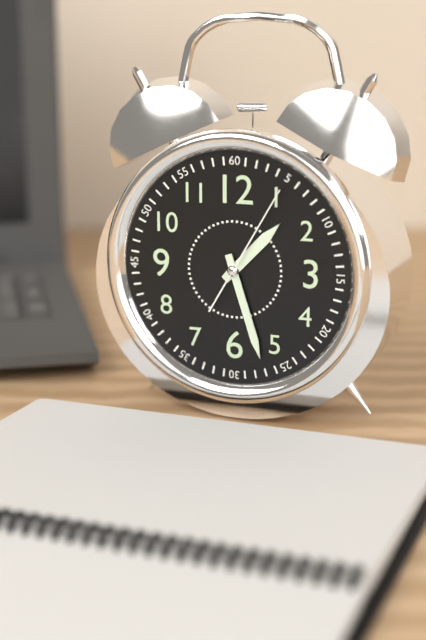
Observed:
1:27:05
